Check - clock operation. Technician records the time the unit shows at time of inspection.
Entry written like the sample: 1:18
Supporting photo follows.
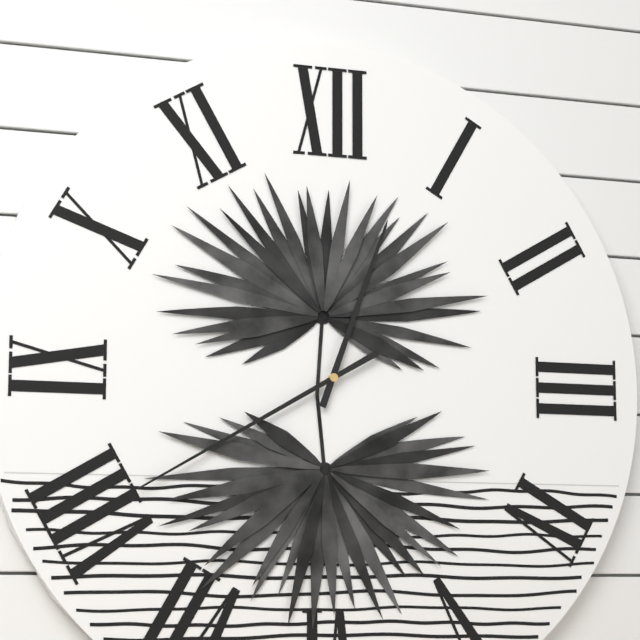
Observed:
12:40
